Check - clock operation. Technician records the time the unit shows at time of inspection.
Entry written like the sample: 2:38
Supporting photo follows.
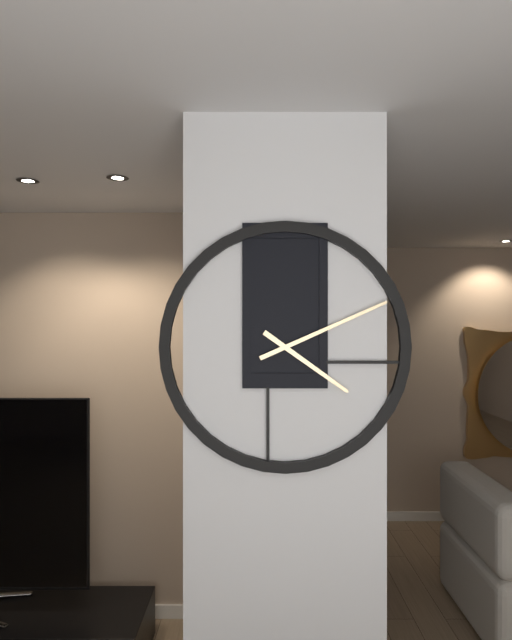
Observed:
4:11
